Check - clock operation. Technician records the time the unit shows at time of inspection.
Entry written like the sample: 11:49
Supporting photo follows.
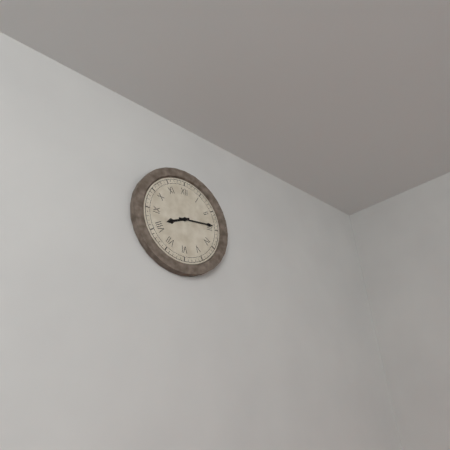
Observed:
8:14
